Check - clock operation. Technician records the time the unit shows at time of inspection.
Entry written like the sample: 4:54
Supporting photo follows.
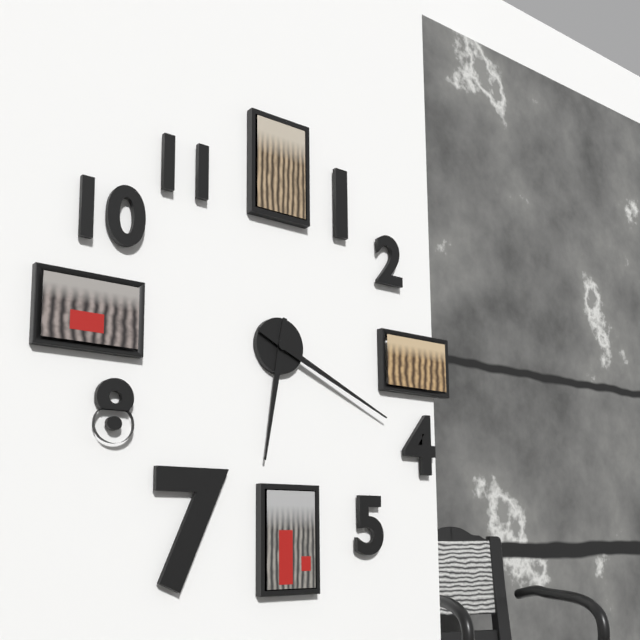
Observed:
6:19
